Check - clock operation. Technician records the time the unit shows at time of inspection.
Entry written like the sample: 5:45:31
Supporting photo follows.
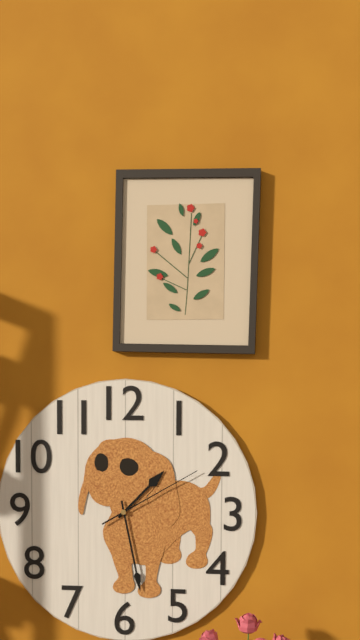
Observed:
1:28:10
